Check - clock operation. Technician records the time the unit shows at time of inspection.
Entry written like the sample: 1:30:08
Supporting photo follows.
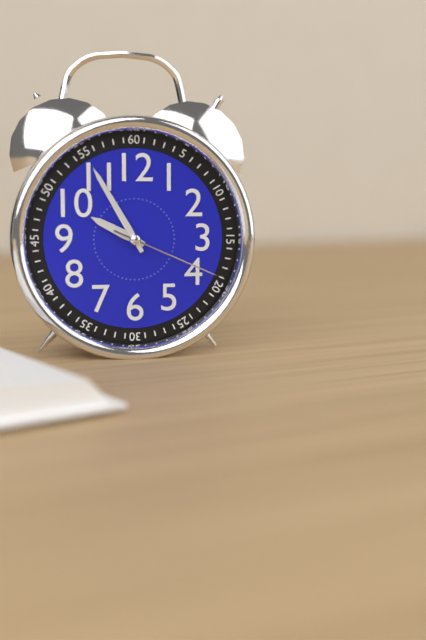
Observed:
9:55:19
